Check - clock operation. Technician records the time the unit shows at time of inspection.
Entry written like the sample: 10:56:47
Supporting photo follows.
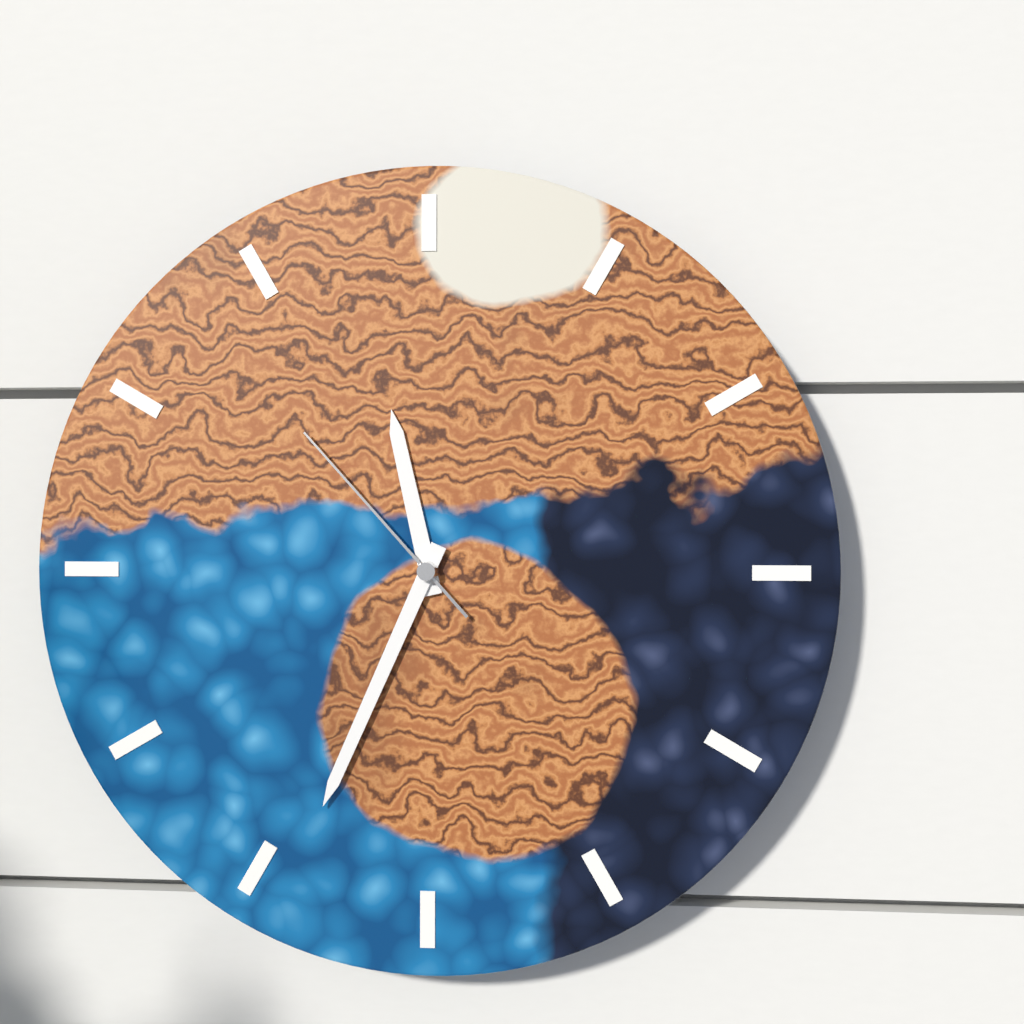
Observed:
11:34:53
